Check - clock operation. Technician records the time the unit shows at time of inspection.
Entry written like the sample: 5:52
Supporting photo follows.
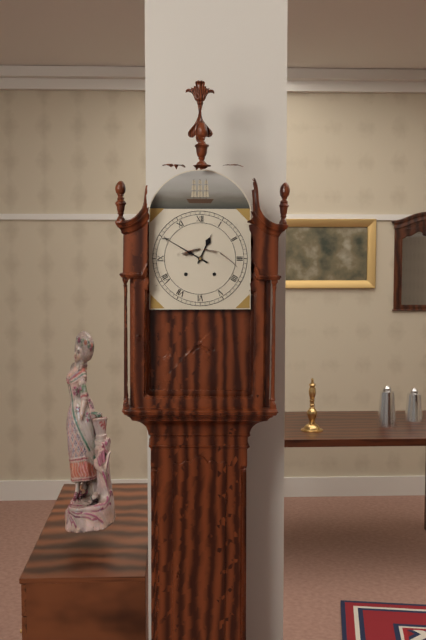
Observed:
12:50
